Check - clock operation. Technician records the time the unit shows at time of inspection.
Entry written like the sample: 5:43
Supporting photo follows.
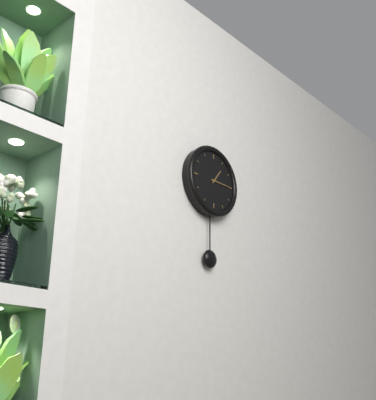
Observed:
1:15
